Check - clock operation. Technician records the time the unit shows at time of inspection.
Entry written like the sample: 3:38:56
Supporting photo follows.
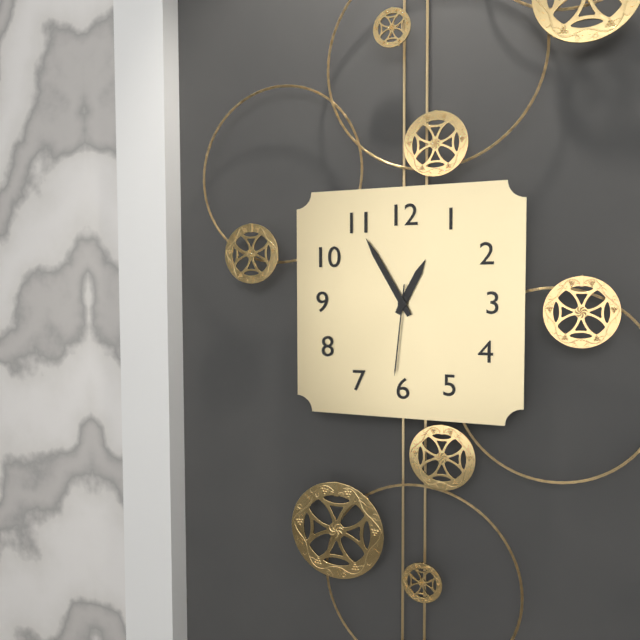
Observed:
12:55:31
